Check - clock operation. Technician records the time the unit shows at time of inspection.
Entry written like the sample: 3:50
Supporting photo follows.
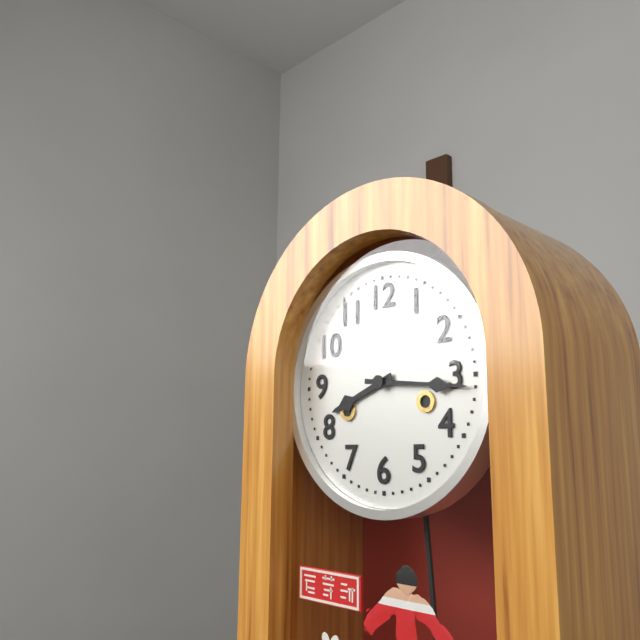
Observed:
8:16
